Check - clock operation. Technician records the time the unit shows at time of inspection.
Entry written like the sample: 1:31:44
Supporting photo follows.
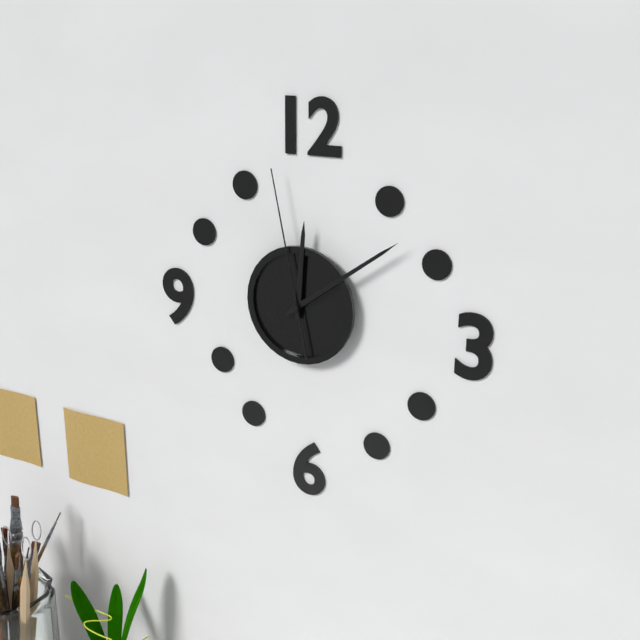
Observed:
12:09:58
